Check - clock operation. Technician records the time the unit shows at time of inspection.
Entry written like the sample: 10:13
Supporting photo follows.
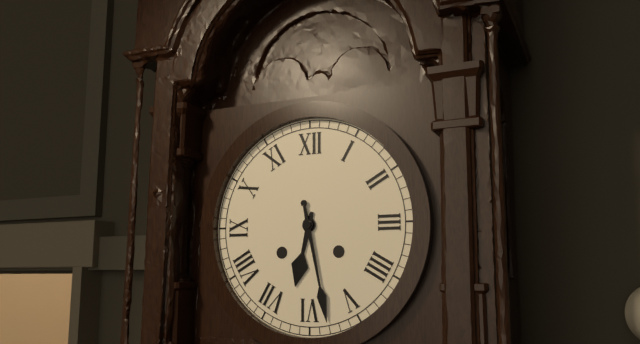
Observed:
6:28
